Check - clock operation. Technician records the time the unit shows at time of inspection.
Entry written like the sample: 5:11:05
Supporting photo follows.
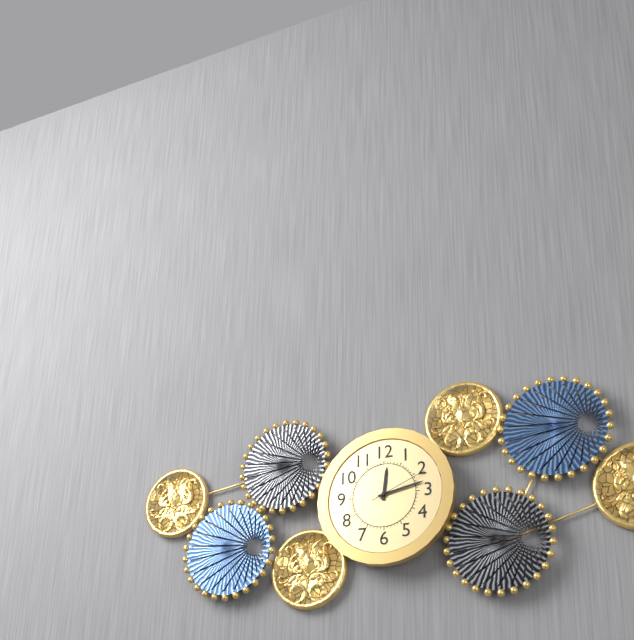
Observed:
12:13:11
